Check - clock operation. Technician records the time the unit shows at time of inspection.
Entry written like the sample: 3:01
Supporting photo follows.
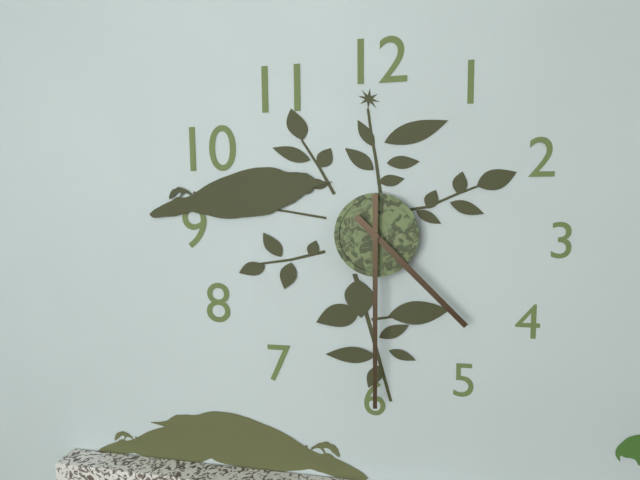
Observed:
4:30
